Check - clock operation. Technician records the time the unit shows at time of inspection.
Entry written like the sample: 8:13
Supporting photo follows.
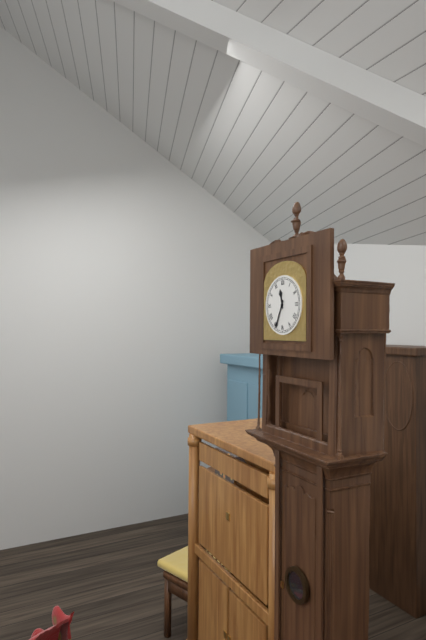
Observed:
11:34
